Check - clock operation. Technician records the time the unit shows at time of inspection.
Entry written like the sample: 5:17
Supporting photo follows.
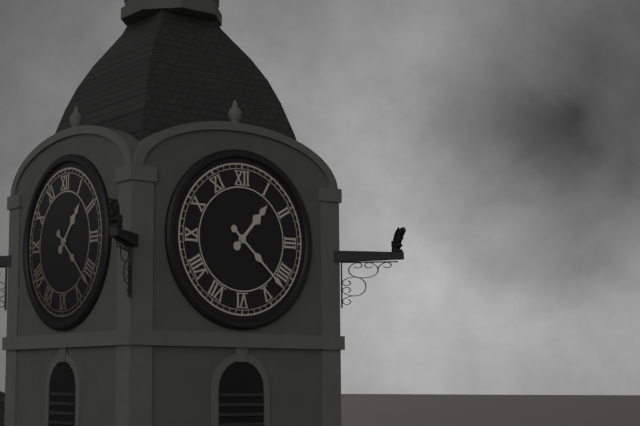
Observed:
1:22
